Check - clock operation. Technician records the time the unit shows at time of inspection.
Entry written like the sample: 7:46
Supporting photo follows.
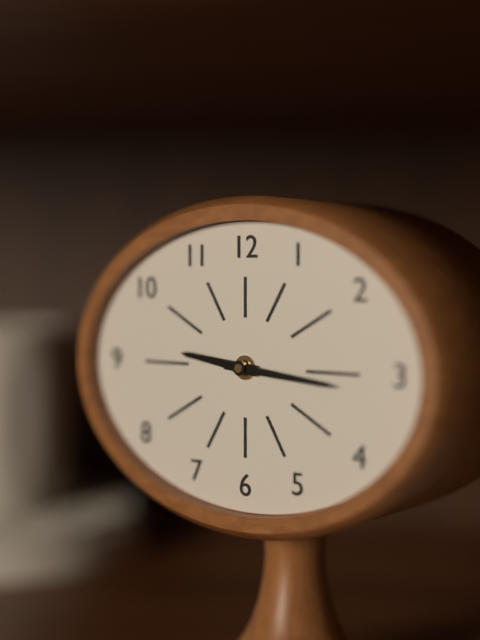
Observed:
9:16
